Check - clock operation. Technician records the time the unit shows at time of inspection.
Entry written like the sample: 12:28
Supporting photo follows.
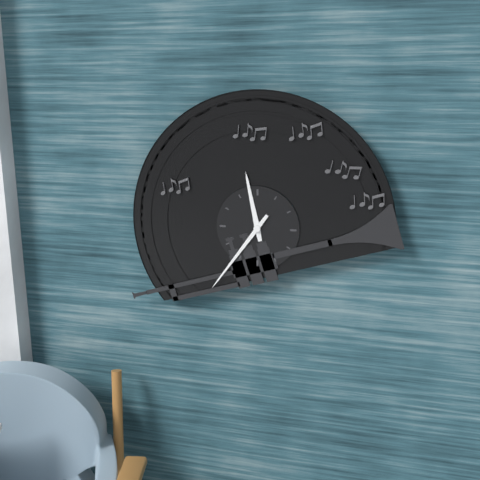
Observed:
11:36
